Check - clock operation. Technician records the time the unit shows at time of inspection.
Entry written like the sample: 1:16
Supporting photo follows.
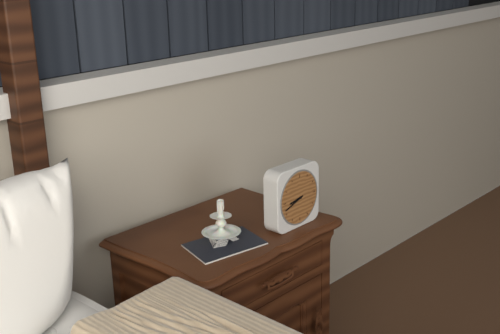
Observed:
8:42
